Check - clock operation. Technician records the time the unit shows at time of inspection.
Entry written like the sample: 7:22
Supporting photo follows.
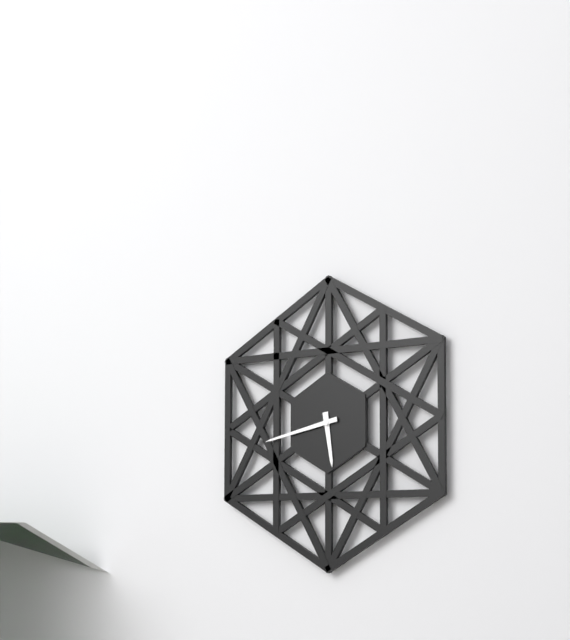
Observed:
5:43
